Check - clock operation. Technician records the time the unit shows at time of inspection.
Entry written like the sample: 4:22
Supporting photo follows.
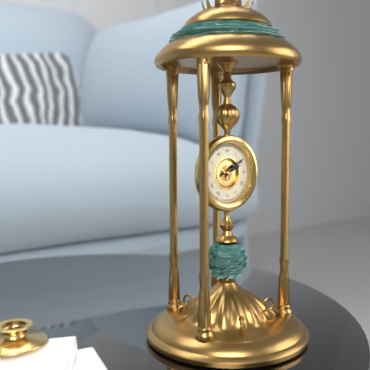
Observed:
2:09
